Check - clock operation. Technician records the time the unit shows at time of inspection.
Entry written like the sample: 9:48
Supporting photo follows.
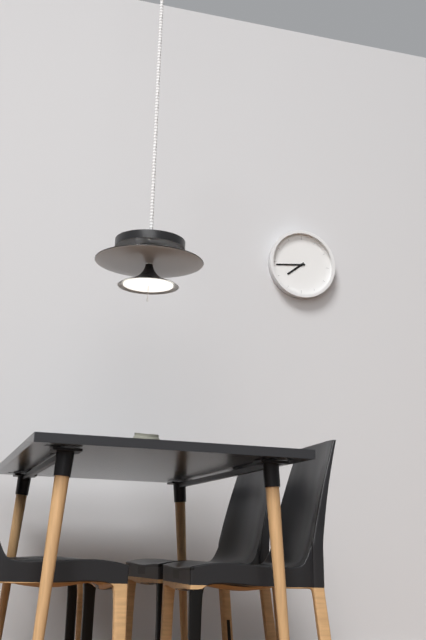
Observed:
7:44
